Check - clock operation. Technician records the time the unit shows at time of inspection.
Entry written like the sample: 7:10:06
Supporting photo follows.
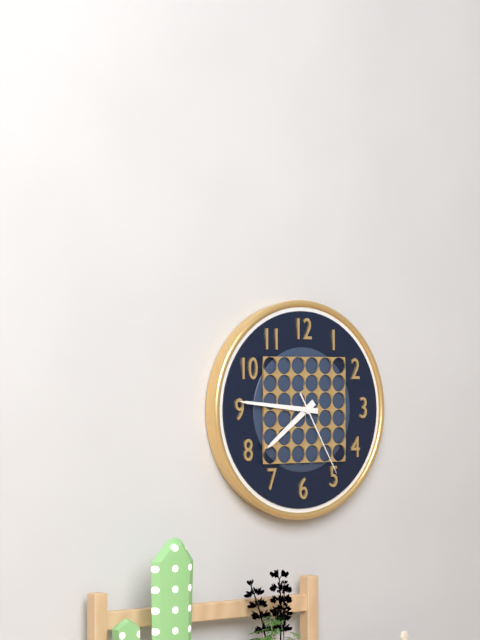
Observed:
7:46:25
